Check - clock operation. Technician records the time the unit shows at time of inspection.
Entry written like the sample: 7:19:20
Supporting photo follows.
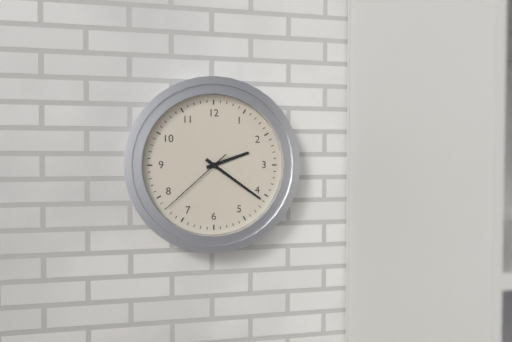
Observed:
2:21:38
